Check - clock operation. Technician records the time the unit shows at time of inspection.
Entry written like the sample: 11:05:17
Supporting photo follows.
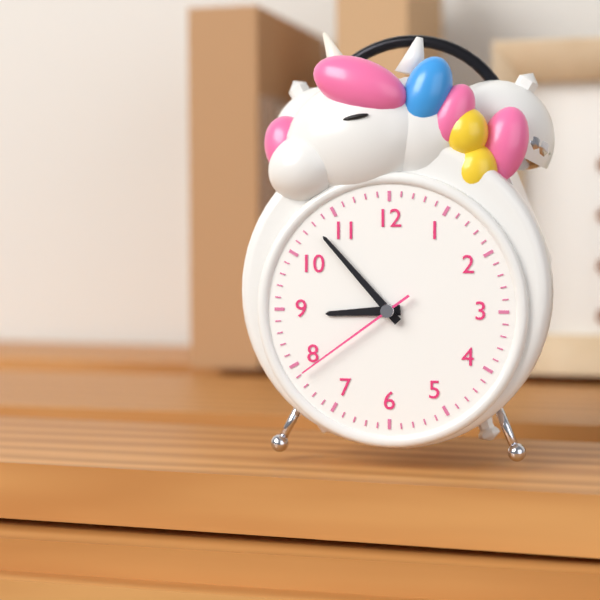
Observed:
8:53:39
